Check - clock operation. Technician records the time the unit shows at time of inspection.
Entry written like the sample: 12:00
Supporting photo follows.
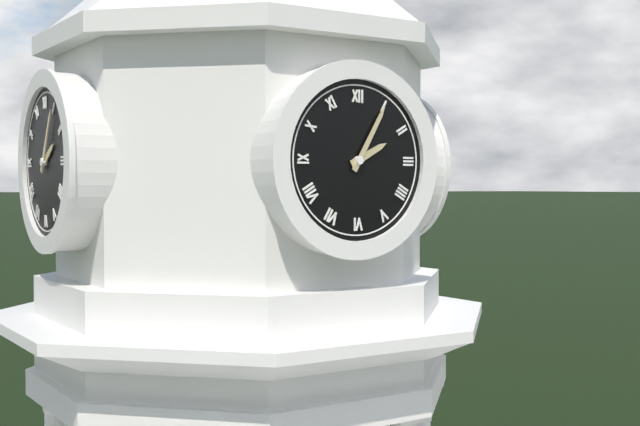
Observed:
2:05
